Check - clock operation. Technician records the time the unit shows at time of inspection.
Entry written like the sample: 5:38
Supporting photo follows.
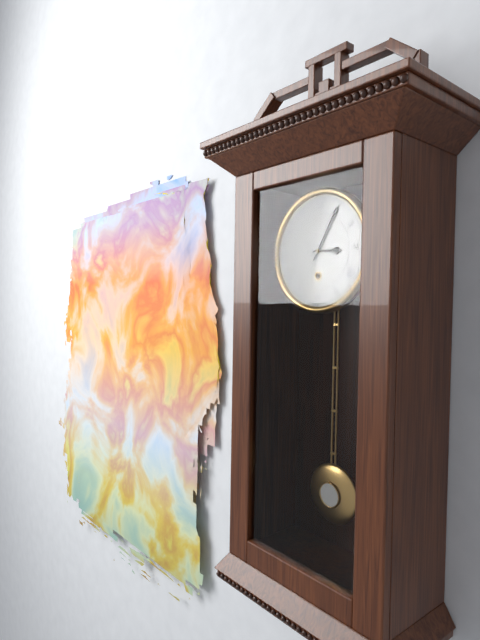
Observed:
3:05
